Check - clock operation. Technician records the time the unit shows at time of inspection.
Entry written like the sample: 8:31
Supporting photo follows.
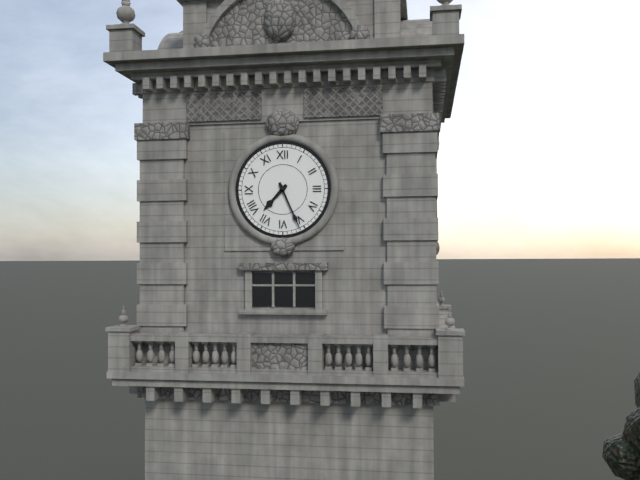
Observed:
7:26
